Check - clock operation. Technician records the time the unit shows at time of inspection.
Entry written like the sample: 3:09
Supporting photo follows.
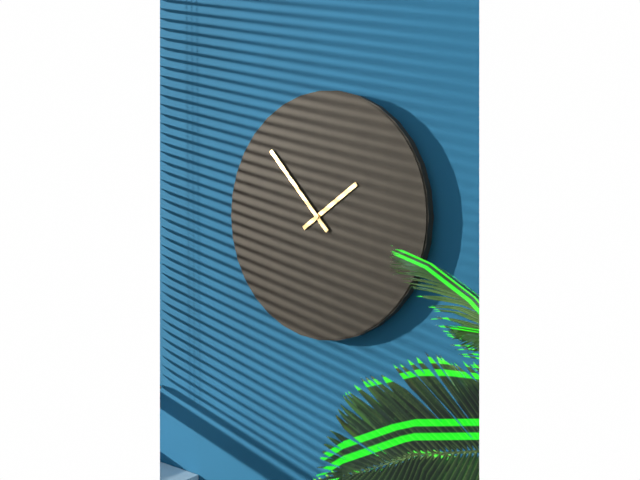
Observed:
1:53
